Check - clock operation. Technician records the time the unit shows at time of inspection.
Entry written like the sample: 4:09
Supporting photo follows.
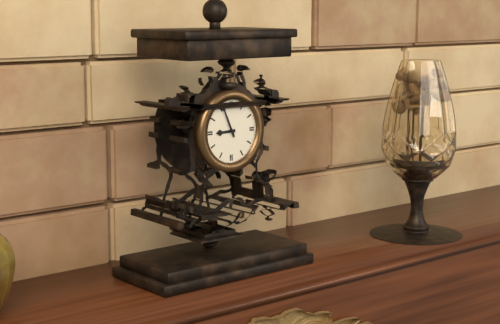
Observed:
8:56
